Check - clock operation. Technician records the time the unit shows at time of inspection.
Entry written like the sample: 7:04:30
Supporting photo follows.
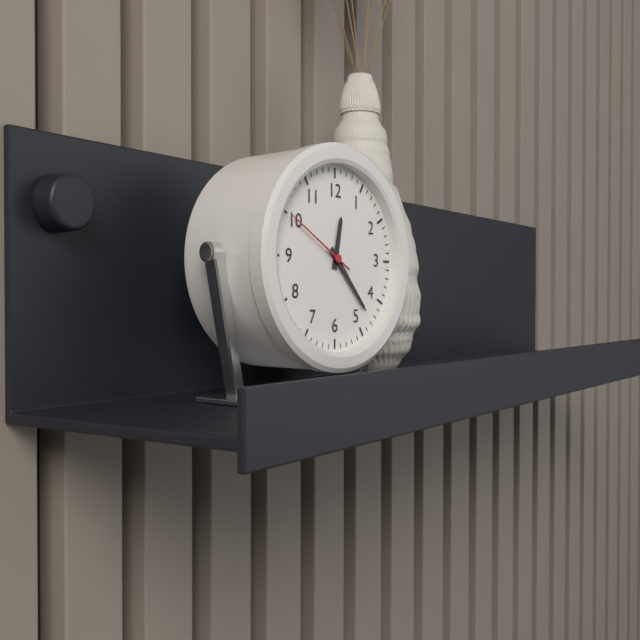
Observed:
12:23:50
